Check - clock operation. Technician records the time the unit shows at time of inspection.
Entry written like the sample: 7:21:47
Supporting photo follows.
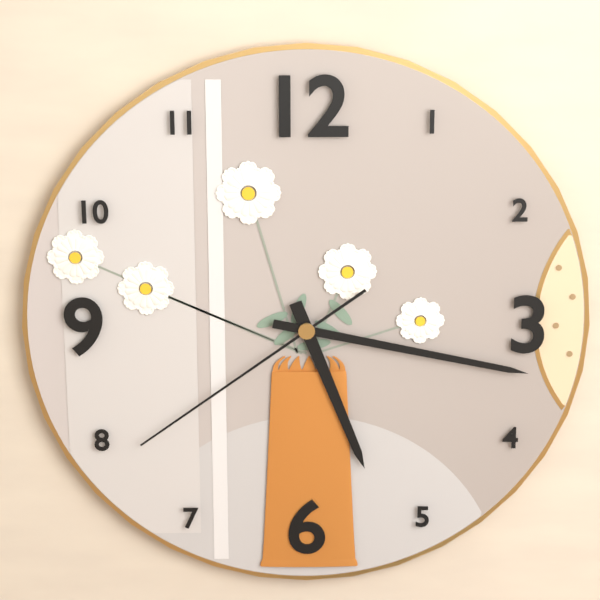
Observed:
5:17:39
